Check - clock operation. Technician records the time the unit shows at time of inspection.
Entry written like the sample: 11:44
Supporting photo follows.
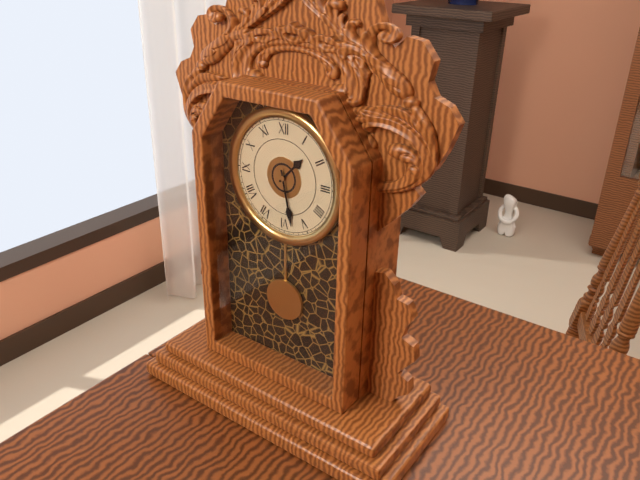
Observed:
1:28
